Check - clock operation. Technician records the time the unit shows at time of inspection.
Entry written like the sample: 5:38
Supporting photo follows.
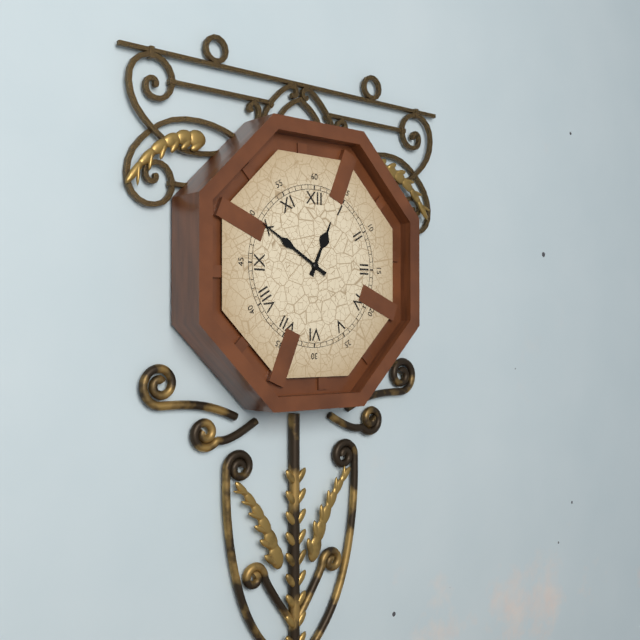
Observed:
12:50
